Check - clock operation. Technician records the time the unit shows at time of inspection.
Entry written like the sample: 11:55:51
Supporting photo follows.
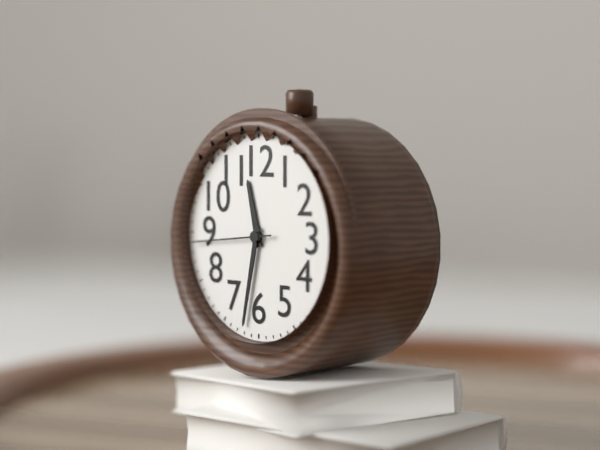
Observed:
11:32:44
